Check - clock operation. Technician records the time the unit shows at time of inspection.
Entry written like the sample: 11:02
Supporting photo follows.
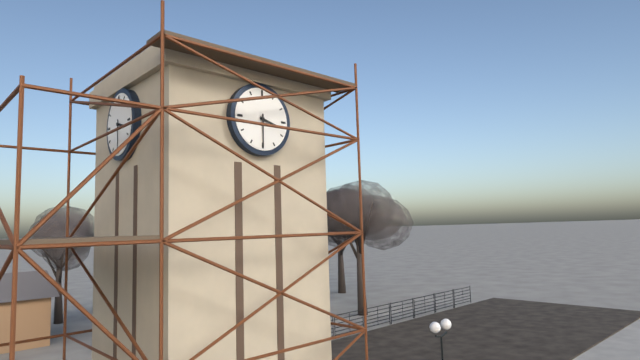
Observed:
3:30
